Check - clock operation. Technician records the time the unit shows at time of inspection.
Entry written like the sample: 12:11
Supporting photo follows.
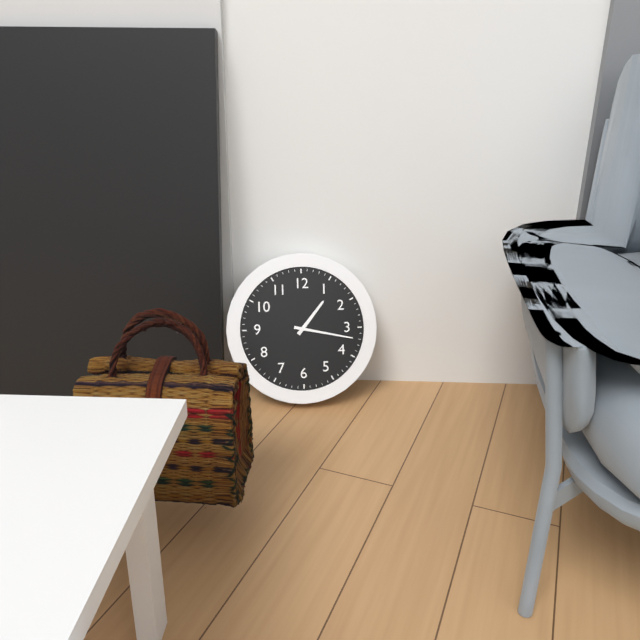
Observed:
1:17
